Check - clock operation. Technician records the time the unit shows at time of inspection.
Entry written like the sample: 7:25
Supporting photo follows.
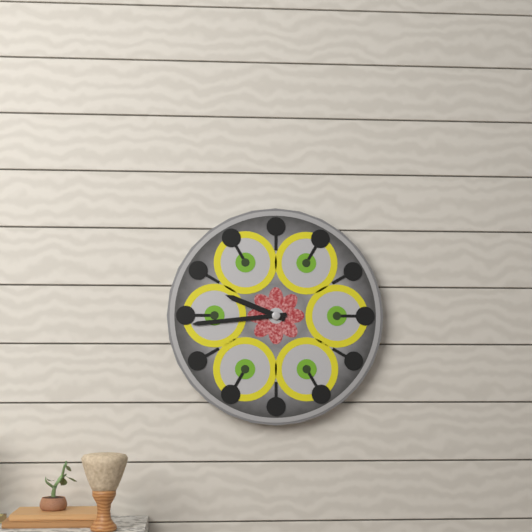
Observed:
9:44
